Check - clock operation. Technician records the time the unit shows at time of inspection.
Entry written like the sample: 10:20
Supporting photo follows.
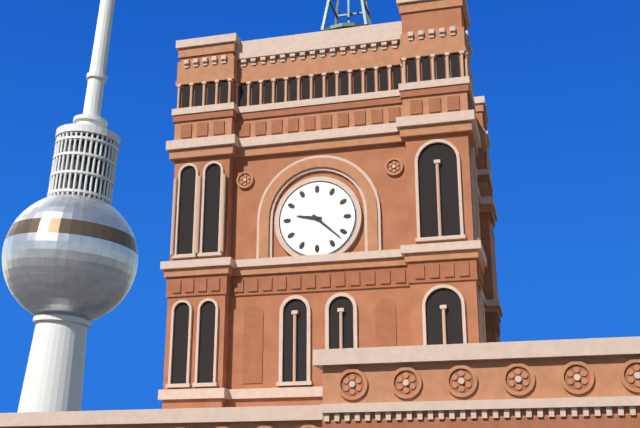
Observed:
9:22
